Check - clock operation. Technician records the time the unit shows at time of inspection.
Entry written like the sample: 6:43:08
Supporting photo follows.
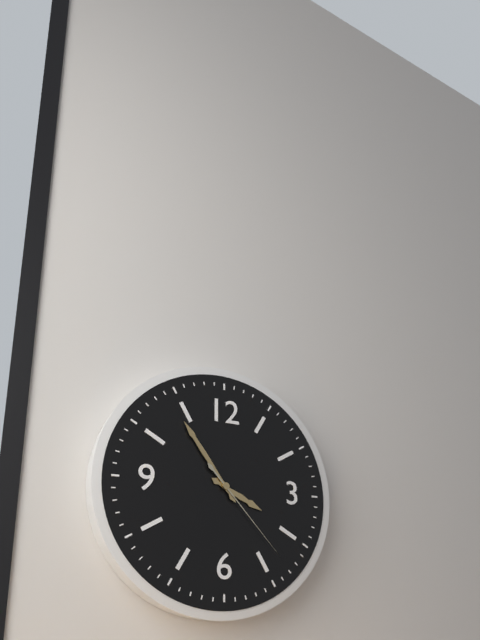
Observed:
3:54:23
